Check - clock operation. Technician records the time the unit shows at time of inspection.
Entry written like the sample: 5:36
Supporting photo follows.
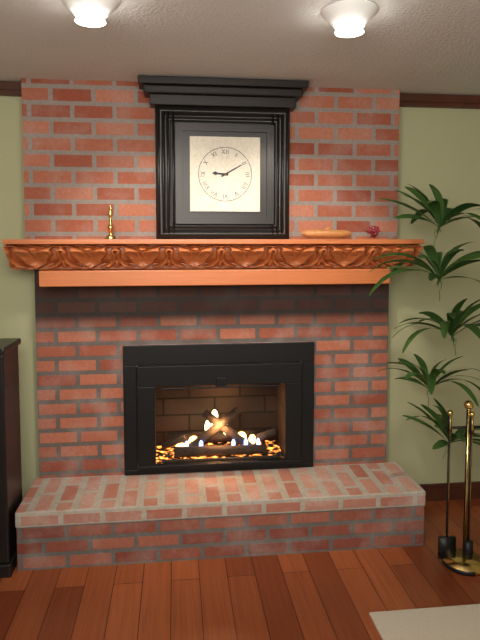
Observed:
9:10
